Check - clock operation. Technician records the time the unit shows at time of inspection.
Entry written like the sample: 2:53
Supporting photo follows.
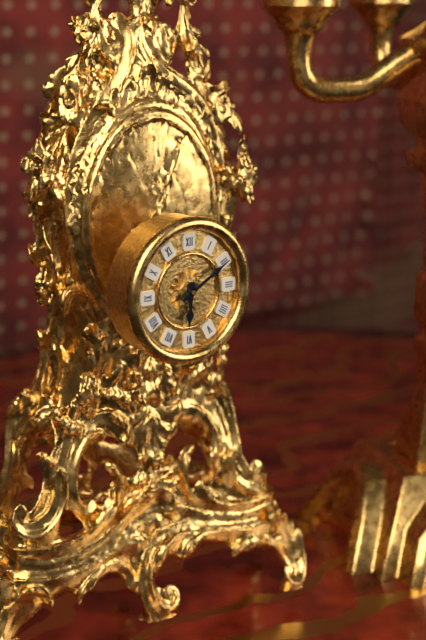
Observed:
6:10
